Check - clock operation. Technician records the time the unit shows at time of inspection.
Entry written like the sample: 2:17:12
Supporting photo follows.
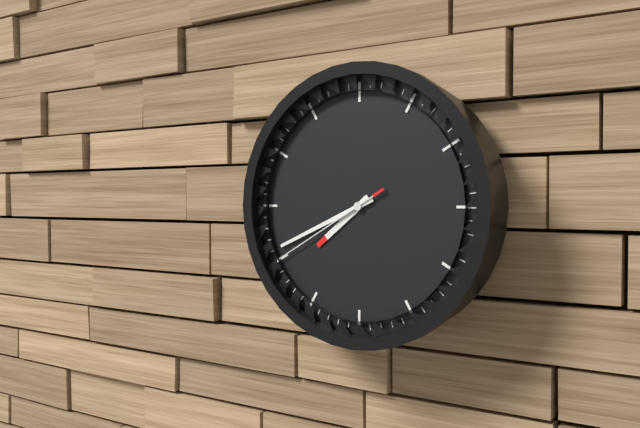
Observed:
7:41:40
